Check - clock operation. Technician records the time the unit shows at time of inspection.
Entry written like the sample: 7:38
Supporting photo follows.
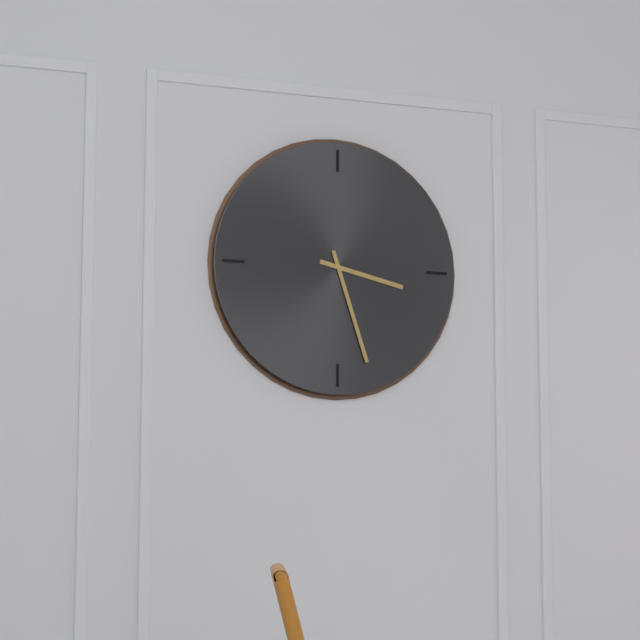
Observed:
3:27
